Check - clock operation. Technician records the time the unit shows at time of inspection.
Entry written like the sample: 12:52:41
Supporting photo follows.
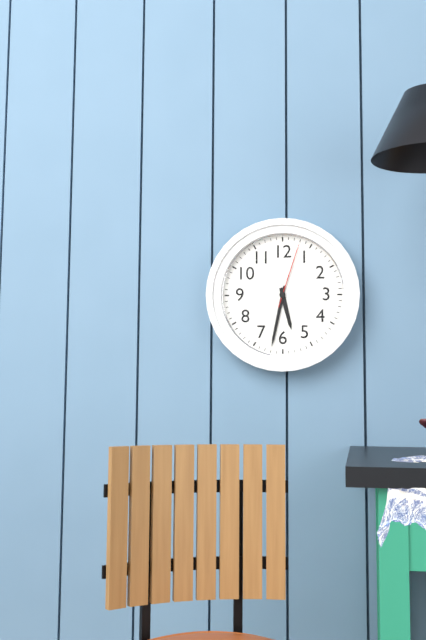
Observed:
5:32:03
